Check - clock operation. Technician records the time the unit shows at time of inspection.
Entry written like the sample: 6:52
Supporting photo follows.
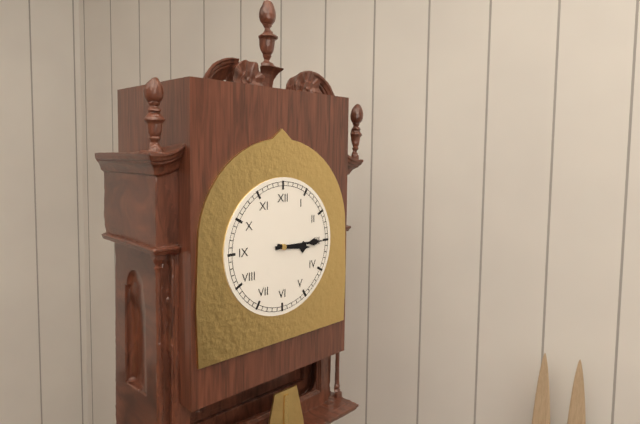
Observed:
3:15
